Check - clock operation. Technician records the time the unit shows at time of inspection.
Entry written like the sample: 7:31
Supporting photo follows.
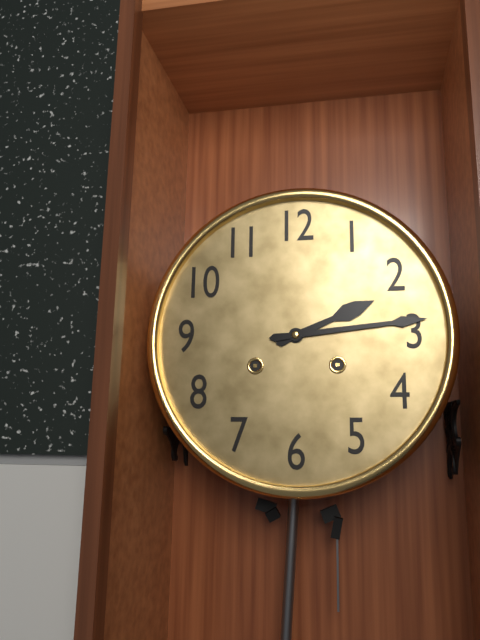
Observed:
2:14
